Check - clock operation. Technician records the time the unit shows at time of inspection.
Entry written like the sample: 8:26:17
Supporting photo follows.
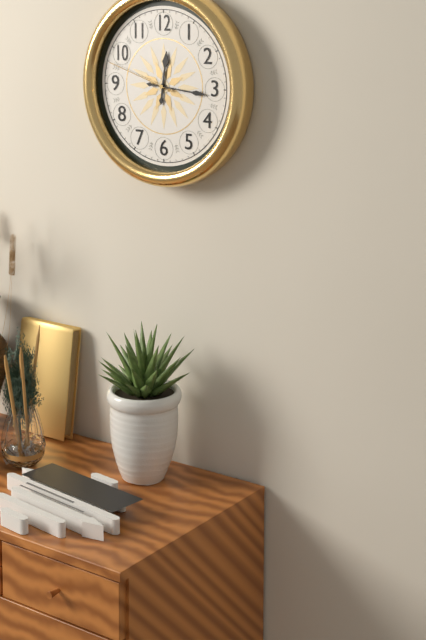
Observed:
12:16:48
